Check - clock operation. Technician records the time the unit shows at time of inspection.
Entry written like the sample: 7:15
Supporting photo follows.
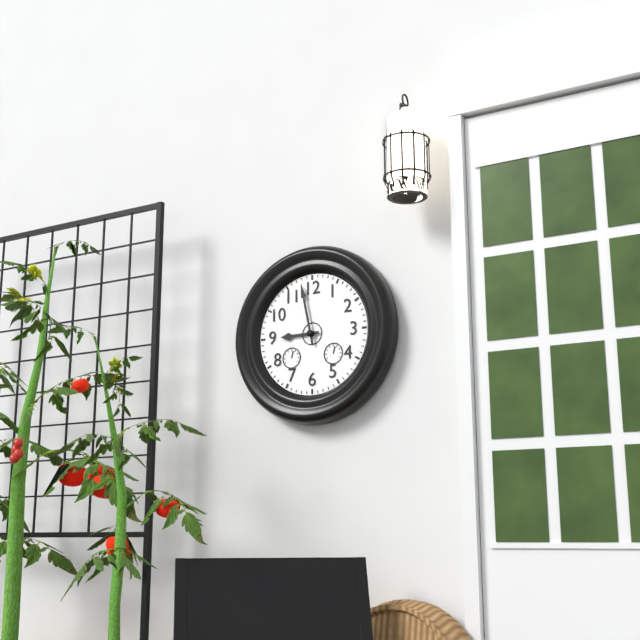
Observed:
8:58
